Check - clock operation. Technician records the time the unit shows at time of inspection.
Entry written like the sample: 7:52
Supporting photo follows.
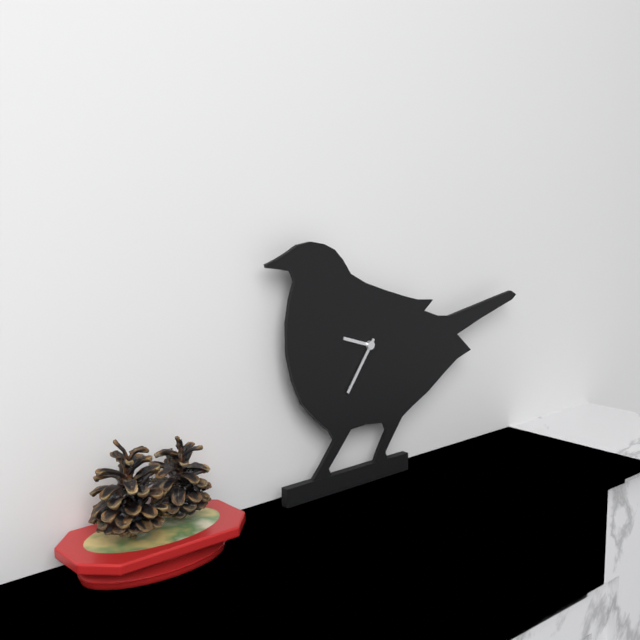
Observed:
9:36
